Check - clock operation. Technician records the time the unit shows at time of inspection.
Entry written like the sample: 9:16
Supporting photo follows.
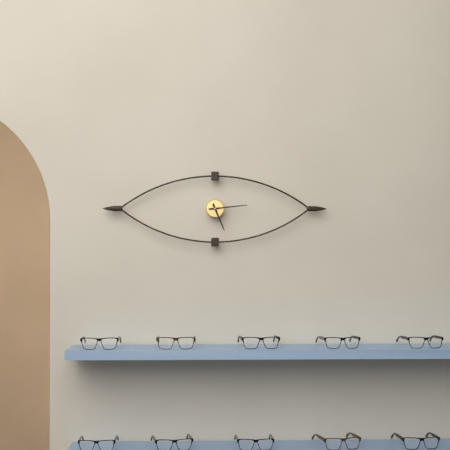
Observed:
5:14
